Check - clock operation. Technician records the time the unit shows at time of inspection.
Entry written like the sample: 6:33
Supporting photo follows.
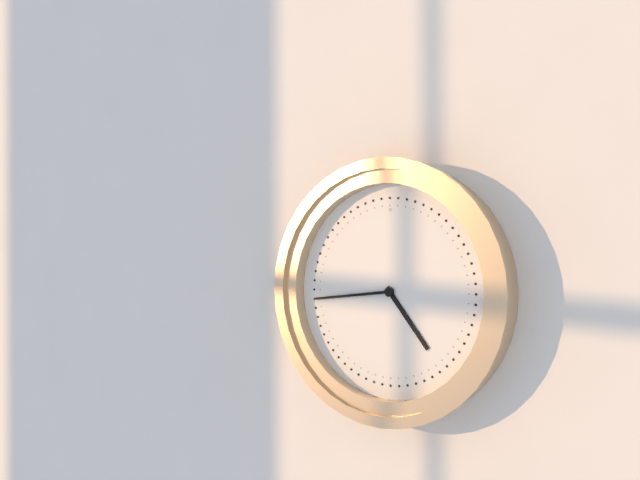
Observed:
4:44
